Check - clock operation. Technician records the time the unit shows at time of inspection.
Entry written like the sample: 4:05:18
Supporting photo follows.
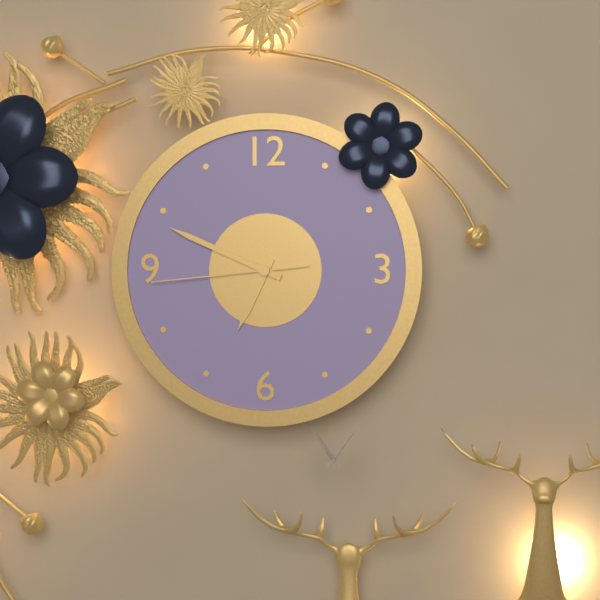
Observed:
6:49:44
